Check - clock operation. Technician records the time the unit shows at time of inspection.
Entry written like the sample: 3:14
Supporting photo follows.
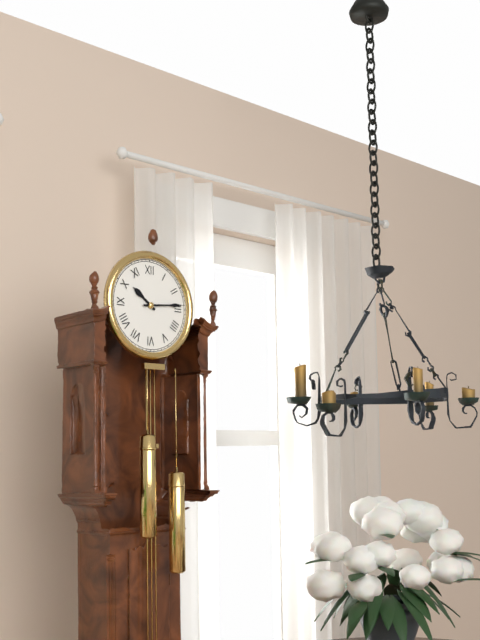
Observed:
10:14
